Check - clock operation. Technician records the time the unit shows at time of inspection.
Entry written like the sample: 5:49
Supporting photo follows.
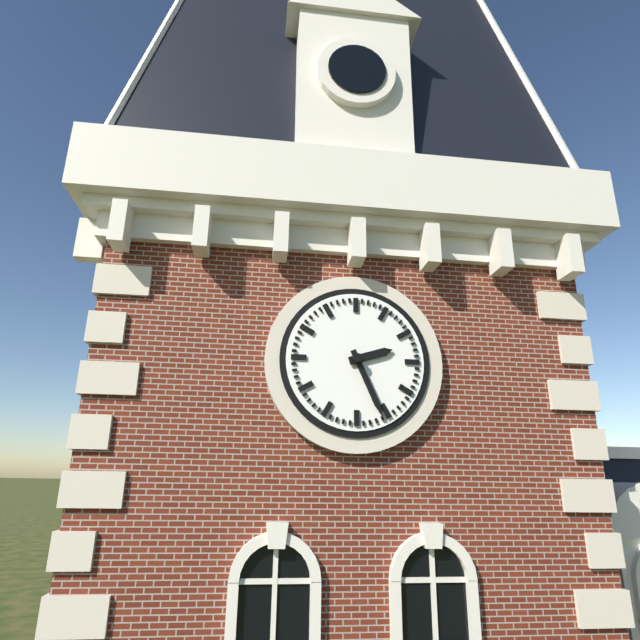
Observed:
2:26
